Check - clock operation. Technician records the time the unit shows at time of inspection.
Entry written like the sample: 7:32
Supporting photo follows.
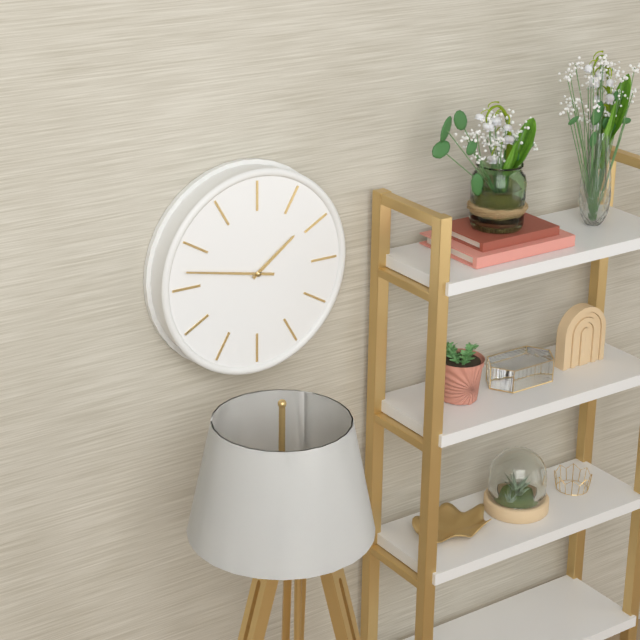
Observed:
1:47
